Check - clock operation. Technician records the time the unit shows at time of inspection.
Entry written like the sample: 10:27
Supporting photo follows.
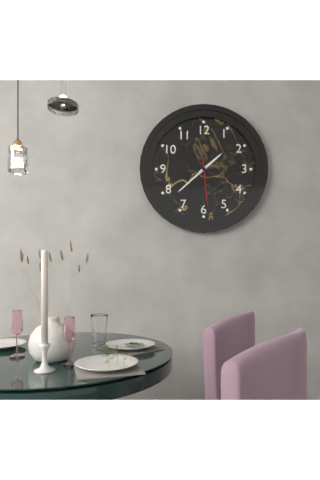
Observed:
1:38
